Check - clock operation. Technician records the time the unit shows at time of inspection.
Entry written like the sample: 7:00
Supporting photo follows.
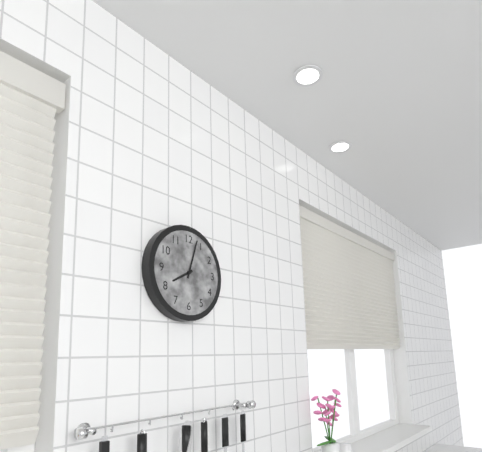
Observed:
8:03
